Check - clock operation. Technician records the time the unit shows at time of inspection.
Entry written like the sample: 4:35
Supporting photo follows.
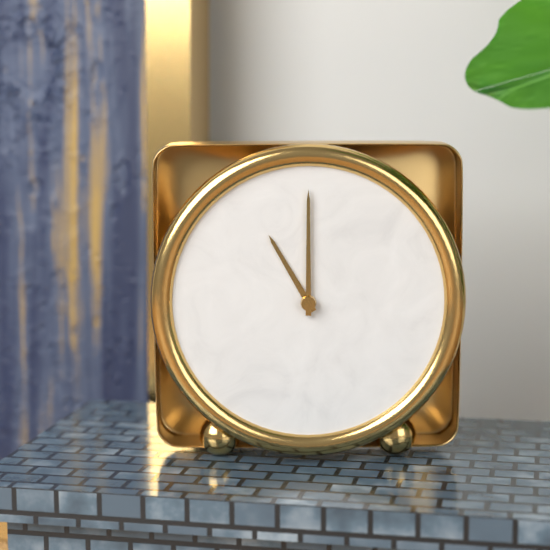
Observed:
11:00
